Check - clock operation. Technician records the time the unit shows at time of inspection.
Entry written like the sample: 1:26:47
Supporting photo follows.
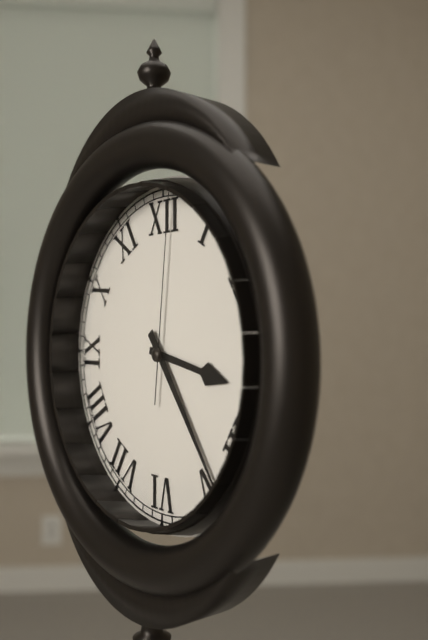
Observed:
3:24:01
